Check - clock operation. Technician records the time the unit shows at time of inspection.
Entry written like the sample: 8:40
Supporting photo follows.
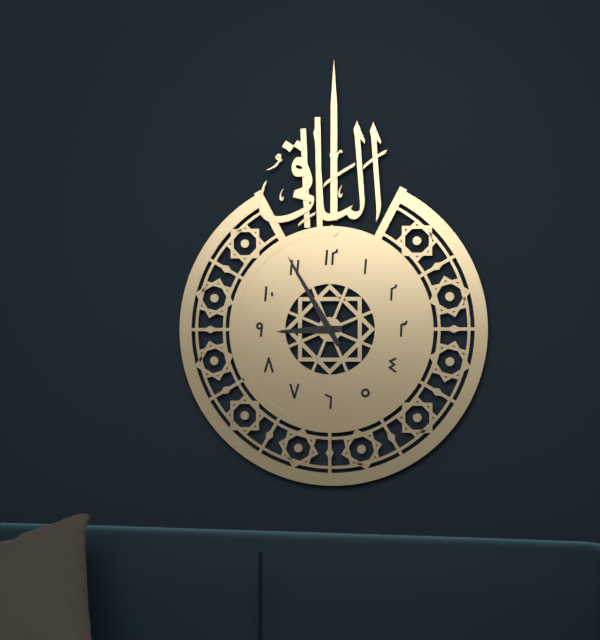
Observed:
8:55
